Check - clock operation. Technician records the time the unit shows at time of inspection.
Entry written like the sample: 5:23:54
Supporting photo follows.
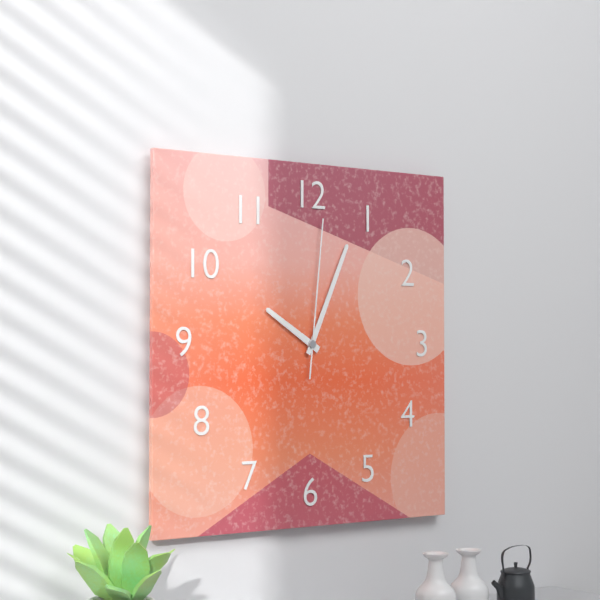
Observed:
10:04:01
